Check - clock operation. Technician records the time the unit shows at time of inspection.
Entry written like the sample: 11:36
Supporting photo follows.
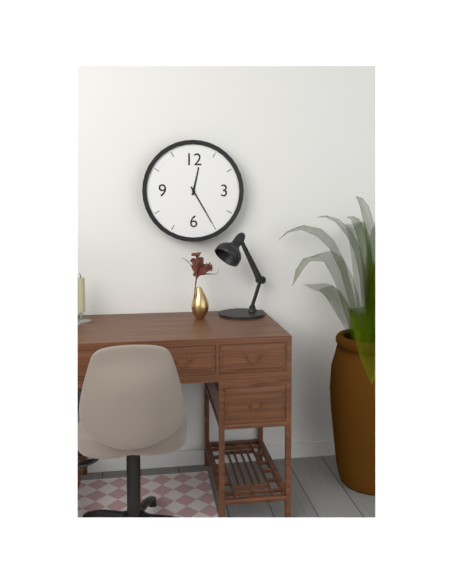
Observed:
12:25
